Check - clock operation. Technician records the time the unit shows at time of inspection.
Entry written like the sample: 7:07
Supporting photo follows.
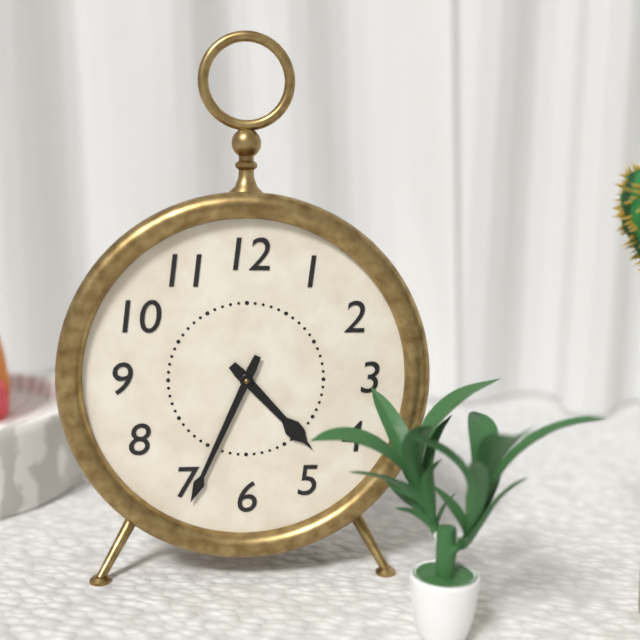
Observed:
4:34
